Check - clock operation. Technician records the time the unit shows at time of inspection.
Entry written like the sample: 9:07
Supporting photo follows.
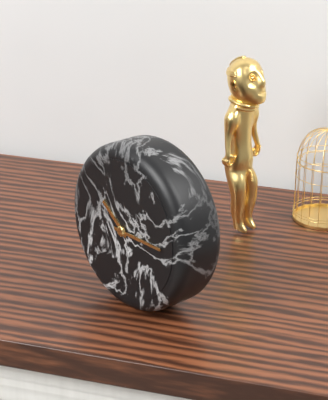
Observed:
10:15
